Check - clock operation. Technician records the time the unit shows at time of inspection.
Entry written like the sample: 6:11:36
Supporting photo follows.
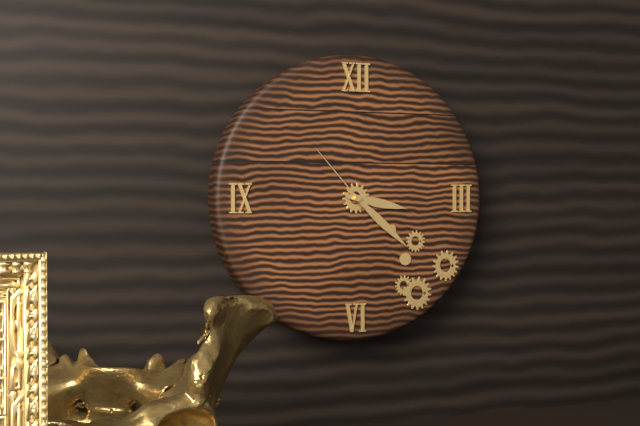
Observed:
3:22:53
